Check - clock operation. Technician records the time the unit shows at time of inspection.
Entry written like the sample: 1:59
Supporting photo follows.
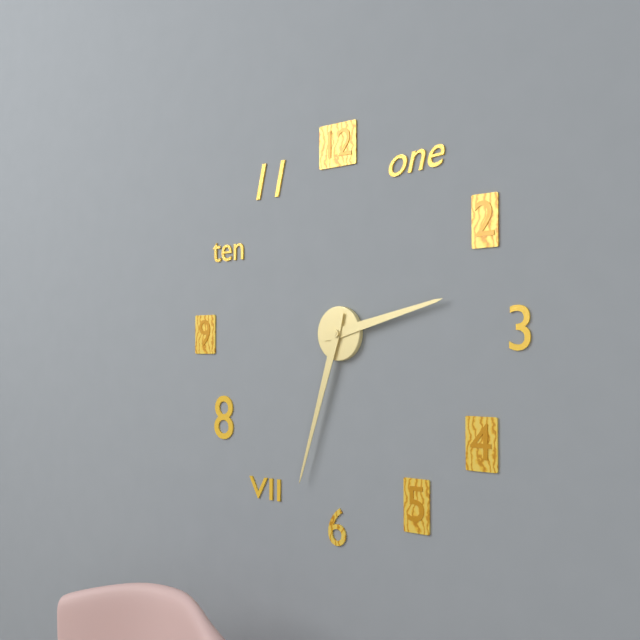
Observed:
2:33
